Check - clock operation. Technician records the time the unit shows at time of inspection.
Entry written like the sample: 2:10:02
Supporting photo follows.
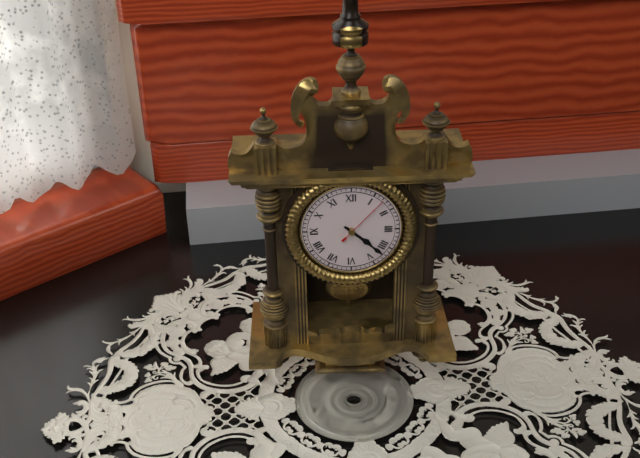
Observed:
4:22:07
